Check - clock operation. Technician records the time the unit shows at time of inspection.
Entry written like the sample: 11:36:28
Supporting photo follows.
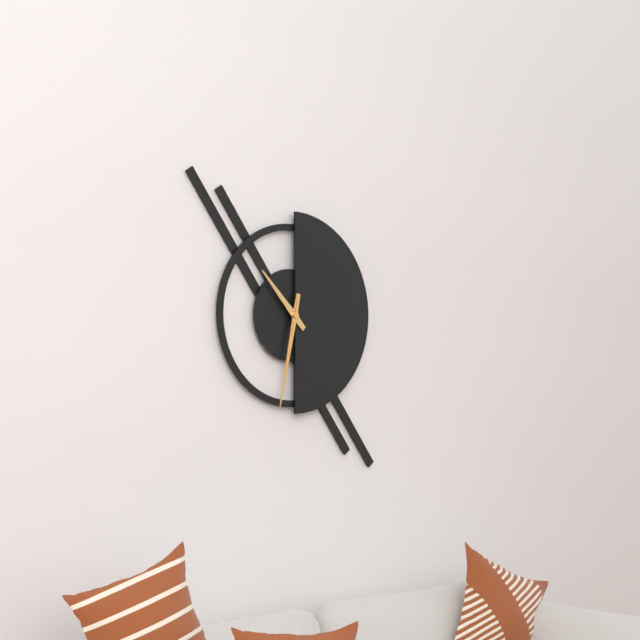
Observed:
10:32:32
